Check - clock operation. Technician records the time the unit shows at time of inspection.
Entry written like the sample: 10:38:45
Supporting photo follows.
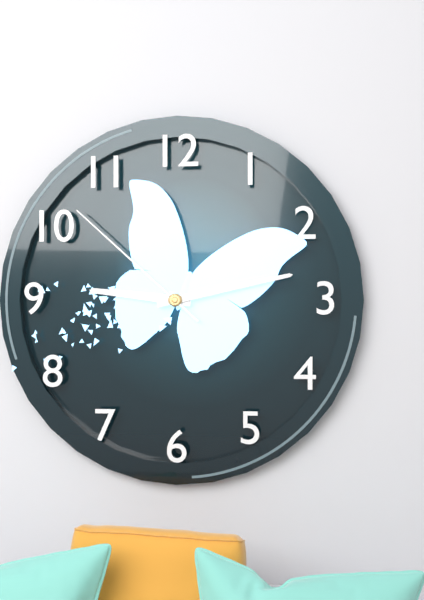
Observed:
9:13:52
